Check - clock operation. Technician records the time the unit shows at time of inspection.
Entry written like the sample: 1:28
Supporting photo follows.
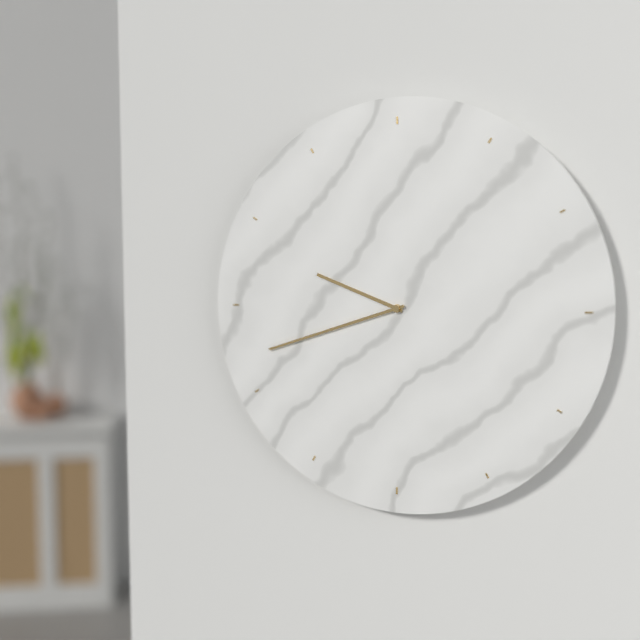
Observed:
9:42
